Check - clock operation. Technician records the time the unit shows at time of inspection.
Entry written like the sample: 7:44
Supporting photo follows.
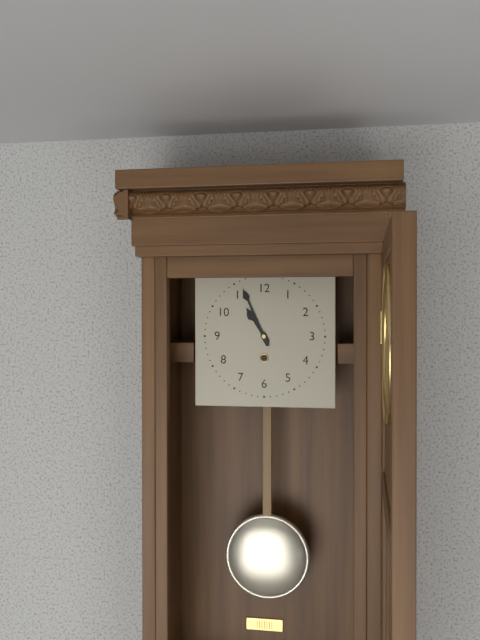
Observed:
10:56
